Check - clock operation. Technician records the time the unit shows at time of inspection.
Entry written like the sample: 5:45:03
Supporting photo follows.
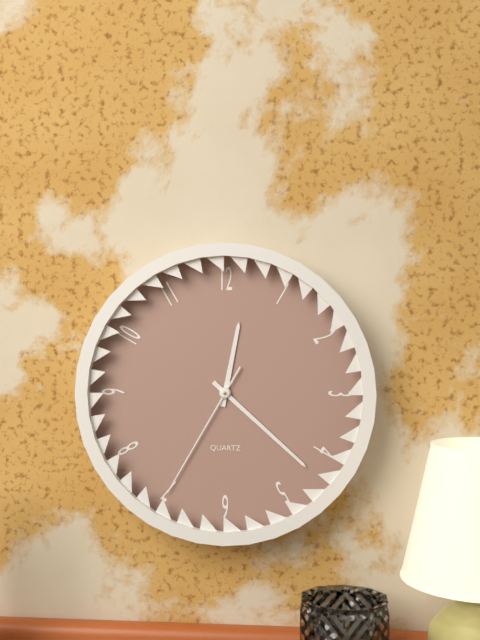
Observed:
12:22:35
